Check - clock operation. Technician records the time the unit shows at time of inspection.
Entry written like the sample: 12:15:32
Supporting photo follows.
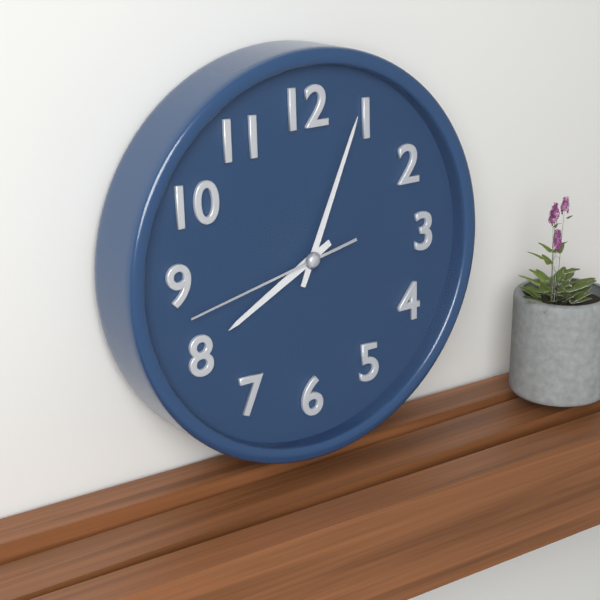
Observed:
8:04:43
